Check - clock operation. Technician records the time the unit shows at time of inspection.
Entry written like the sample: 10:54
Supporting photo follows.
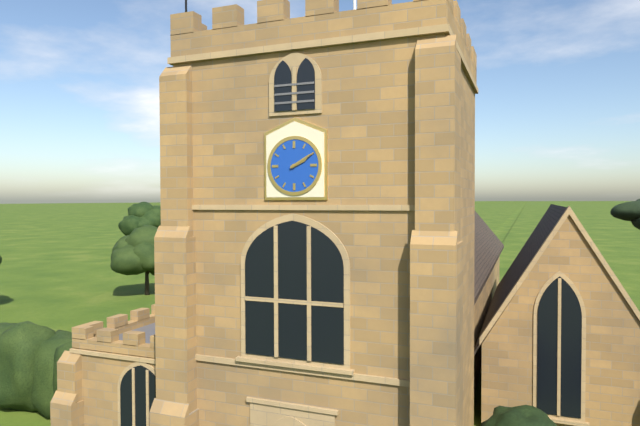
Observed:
2:10
